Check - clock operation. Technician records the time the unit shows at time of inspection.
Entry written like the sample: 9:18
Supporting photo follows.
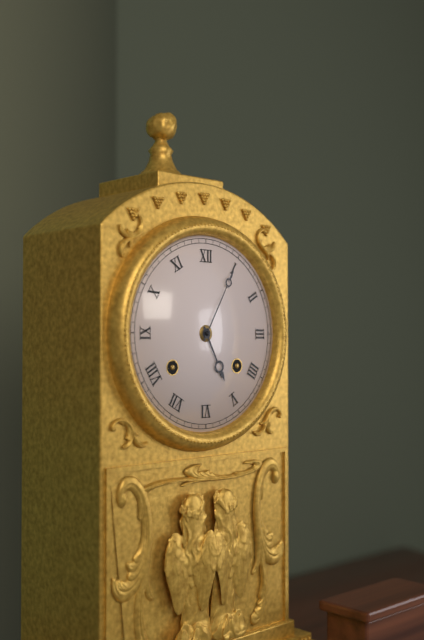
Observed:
5:05
